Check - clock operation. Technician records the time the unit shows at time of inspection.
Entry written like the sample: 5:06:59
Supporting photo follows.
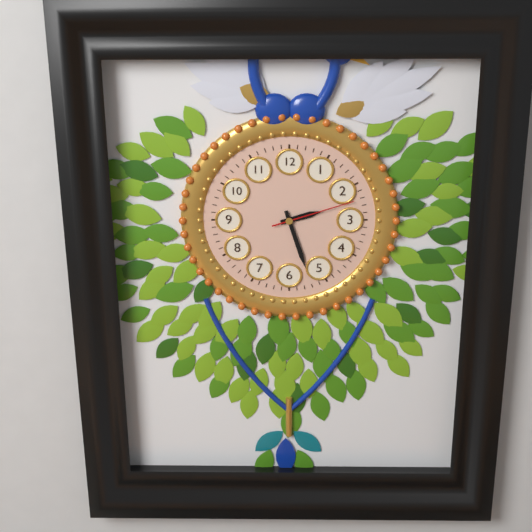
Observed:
2:27:12
